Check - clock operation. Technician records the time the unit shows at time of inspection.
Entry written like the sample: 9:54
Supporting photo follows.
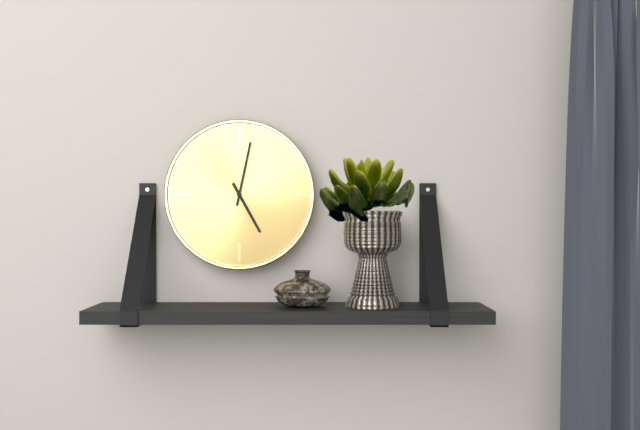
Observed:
5:02
